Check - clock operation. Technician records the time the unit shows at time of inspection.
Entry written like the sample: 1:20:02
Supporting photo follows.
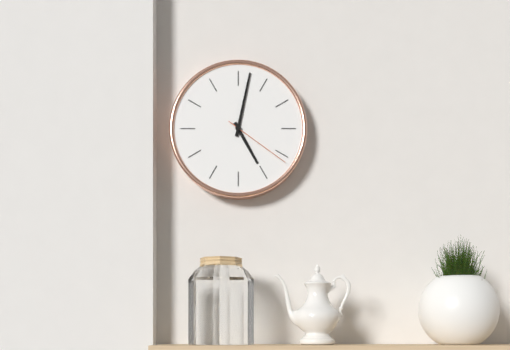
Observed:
5:02:21
